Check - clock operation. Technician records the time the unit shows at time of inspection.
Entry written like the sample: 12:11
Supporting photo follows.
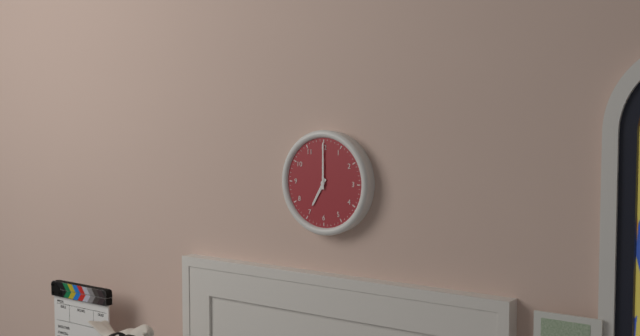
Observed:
7:00
